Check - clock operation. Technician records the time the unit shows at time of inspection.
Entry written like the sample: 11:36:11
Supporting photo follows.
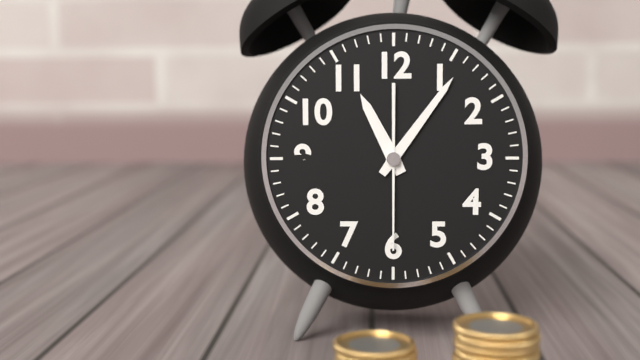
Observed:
11:06:30
